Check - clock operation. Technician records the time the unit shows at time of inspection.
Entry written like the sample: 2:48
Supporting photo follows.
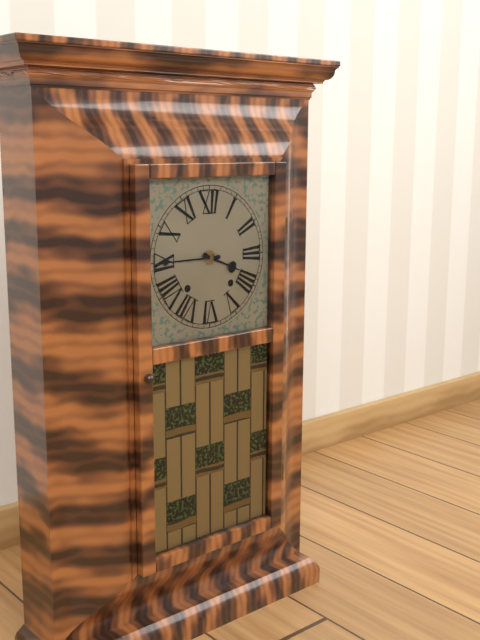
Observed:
3:45
